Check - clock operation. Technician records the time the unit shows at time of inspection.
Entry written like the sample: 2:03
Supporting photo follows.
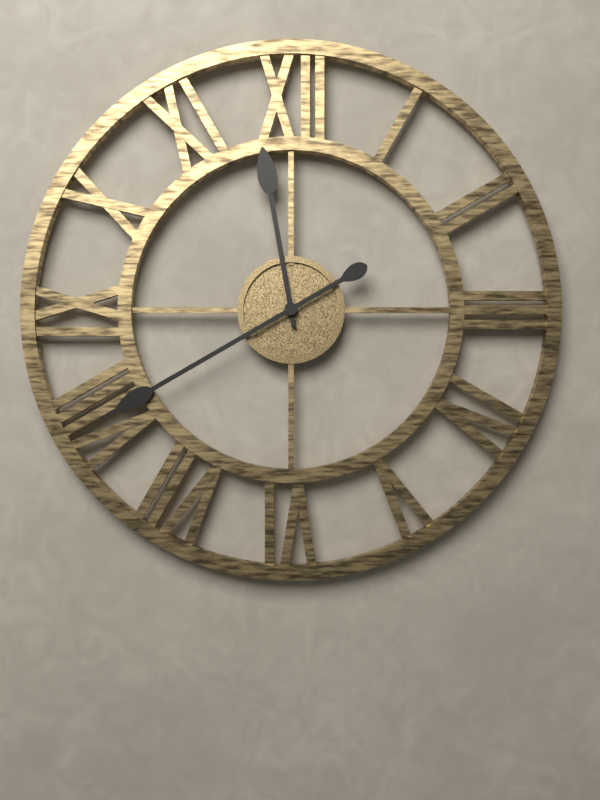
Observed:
11:40
